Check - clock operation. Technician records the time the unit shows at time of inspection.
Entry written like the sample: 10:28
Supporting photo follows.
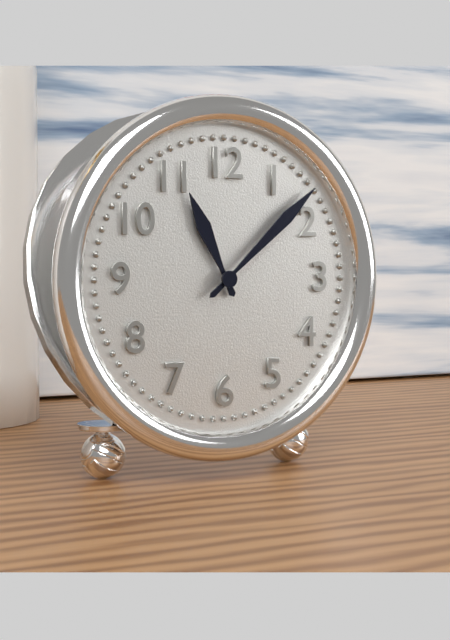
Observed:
11:08
